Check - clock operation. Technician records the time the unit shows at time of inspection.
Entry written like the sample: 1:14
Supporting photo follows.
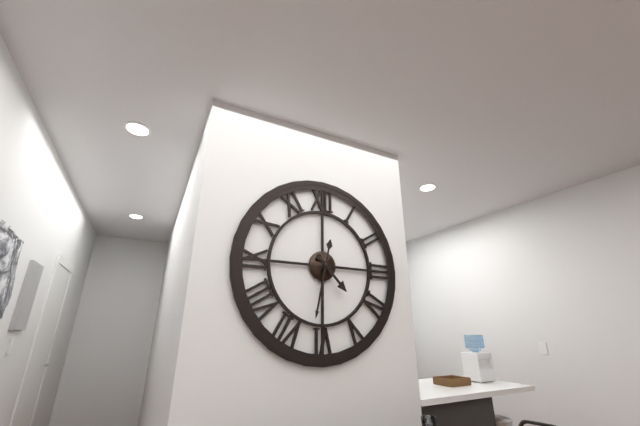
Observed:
4:32
